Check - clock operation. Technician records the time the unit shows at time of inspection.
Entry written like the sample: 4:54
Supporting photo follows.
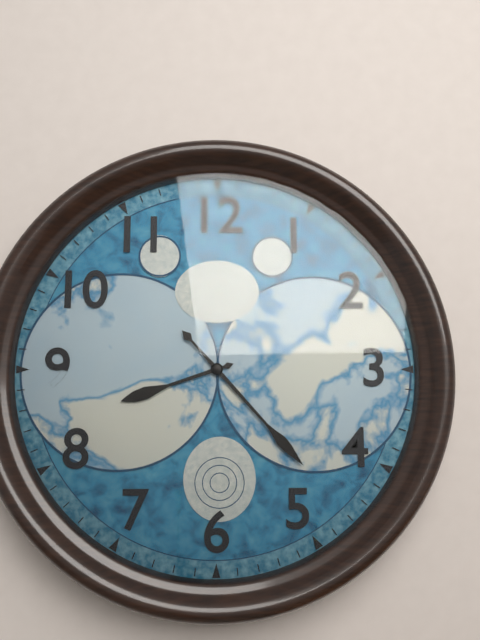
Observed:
8:23
